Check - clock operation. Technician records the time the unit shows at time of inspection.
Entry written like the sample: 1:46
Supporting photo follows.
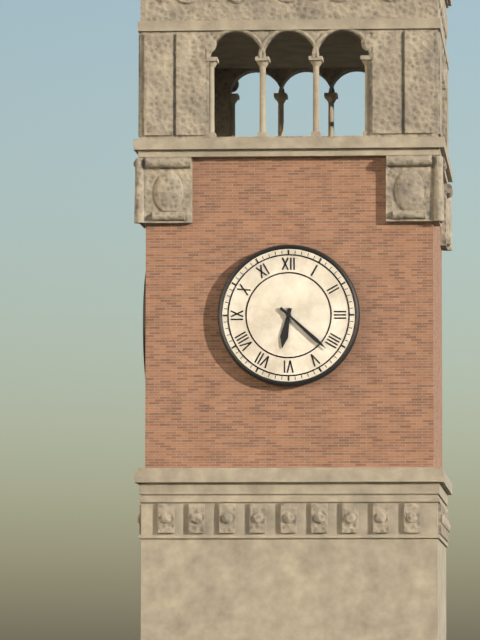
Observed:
6:22
